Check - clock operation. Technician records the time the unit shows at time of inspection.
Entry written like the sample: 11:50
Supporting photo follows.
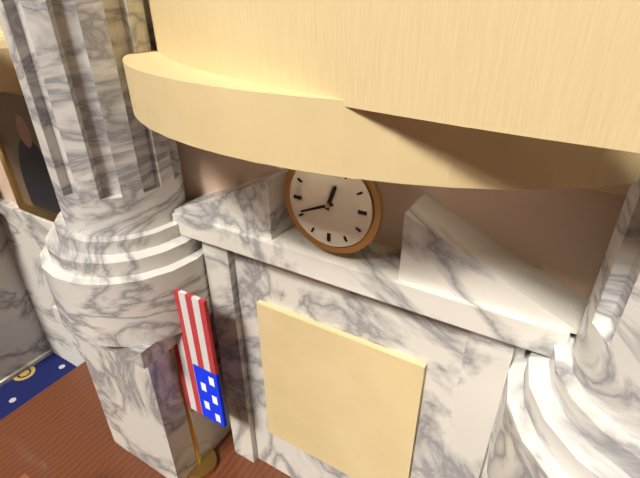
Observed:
12:41
